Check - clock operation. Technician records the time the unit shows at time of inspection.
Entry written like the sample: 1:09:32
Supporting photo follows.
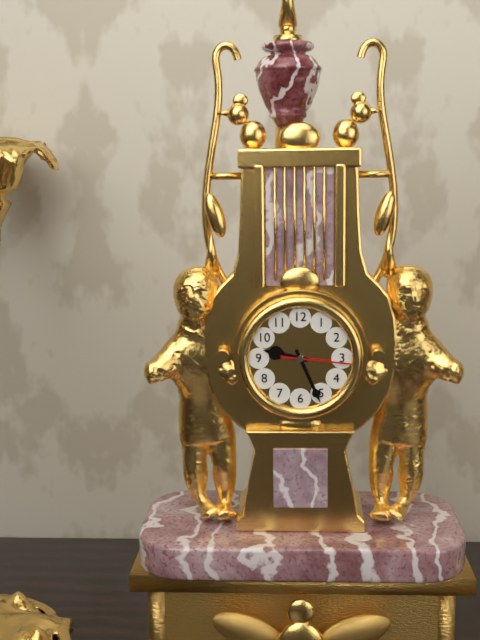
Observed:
9:26:16
